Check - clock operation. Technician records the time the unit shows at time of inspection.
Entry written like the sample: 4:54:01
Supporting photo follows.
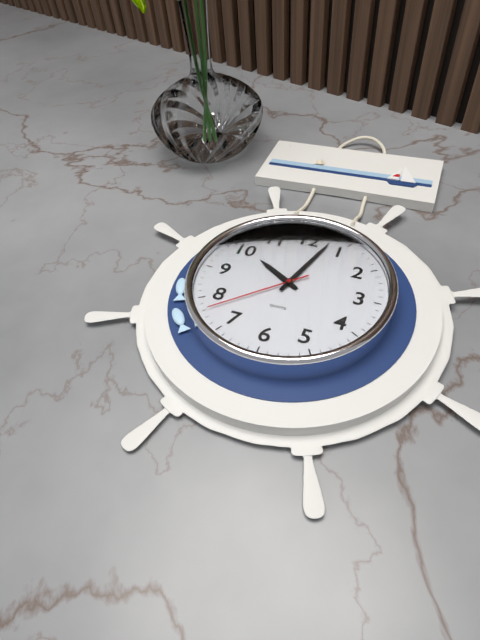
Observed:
10:03:38
